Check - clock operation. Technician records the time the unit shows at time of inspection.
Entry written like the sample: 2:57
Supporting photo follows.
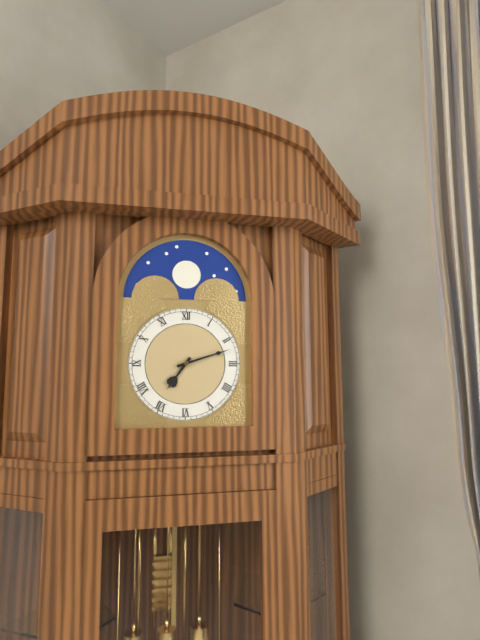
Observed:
7:12
